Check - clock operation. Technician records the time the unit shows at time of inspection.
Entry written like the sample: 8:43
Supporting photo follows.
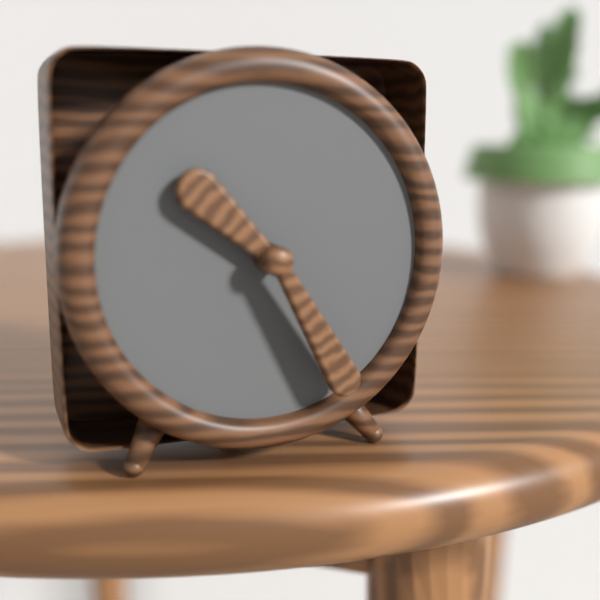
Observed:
10:25
